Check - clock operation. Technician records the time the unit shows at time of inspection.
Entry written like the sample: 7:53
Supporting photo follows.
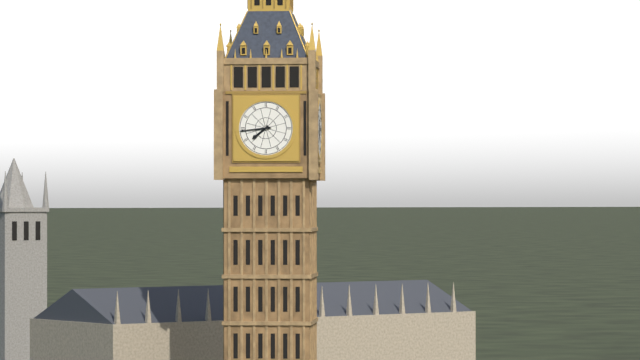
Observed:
7:44
